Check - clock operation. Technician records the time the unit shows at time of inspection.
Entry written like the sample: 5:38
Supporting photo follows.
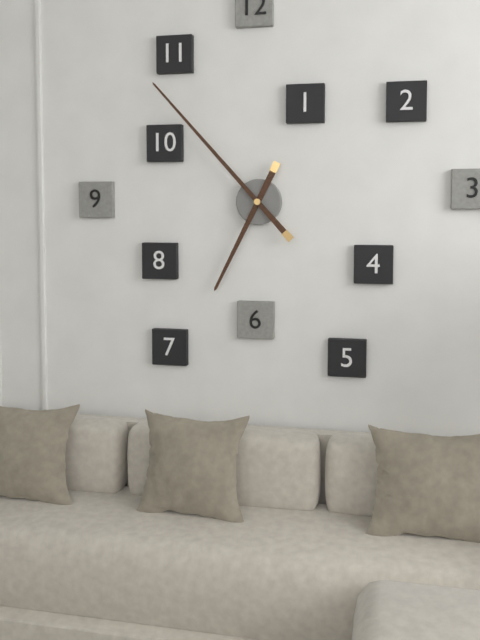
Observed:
6:53
